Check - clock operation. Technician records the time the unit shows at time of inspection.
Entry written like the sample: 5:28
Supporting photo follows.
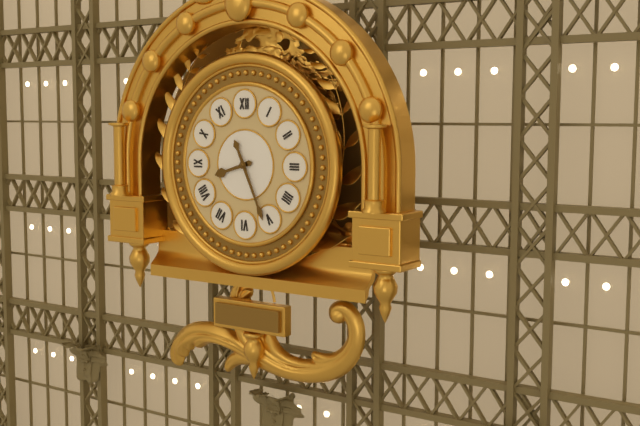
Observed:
8:26
